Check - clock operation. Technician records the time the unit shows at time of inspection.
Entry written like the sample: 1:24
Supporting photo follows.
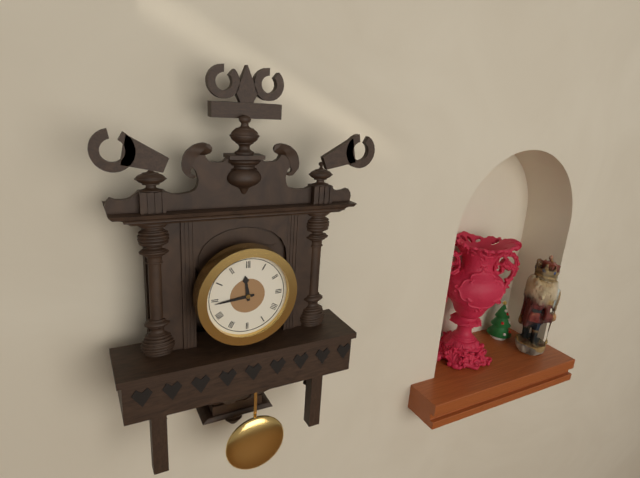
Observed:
11:44
